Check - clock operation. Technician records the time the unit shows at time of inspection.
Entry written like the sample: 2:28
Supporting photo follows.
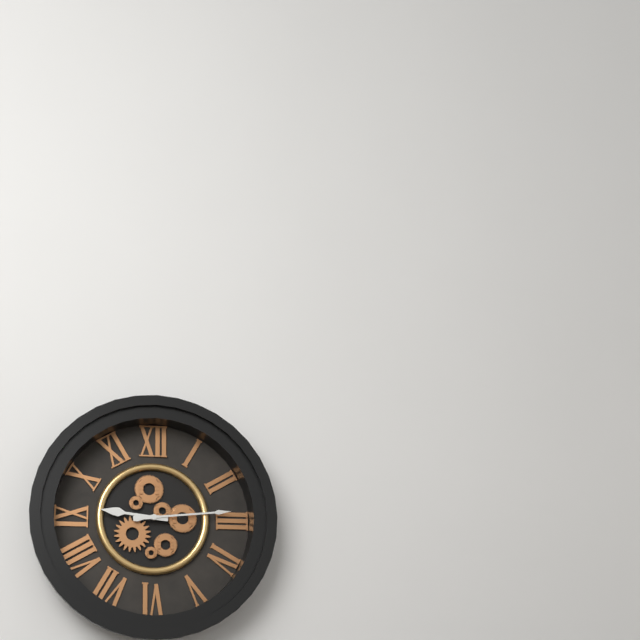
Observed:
9:14
